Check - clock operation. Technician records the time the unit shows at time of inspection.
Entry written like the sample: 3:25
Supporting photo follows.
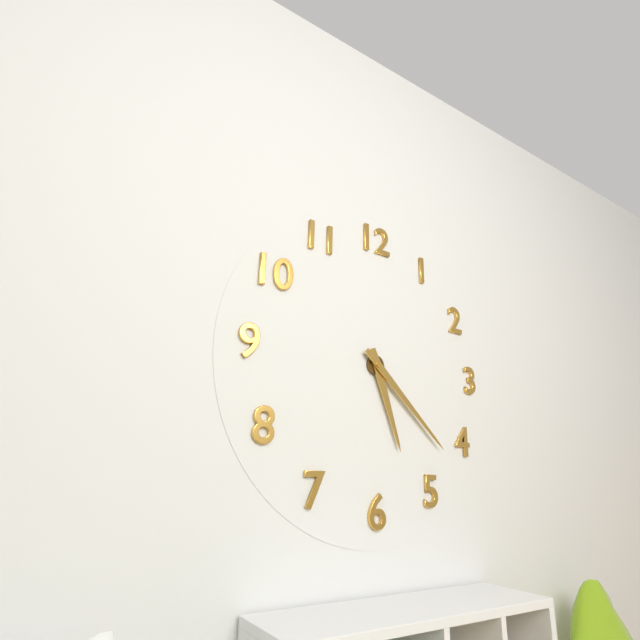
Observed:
5:22
